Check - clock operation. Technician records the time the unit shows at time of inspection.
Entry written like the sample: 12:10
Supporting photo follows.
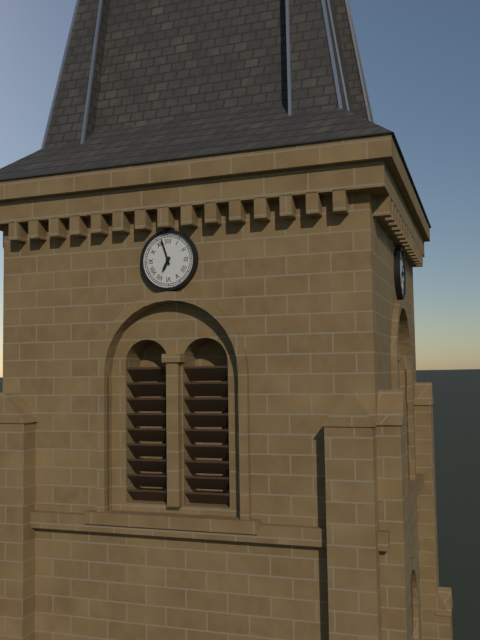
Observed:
6:57
